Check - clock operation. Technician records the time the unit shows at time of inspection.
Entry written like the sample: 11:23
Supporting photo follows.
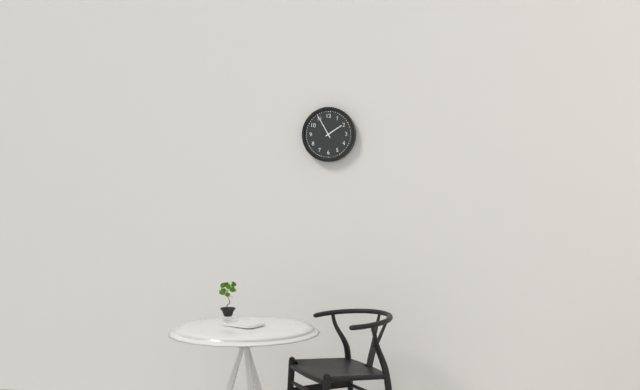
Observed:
1:55
